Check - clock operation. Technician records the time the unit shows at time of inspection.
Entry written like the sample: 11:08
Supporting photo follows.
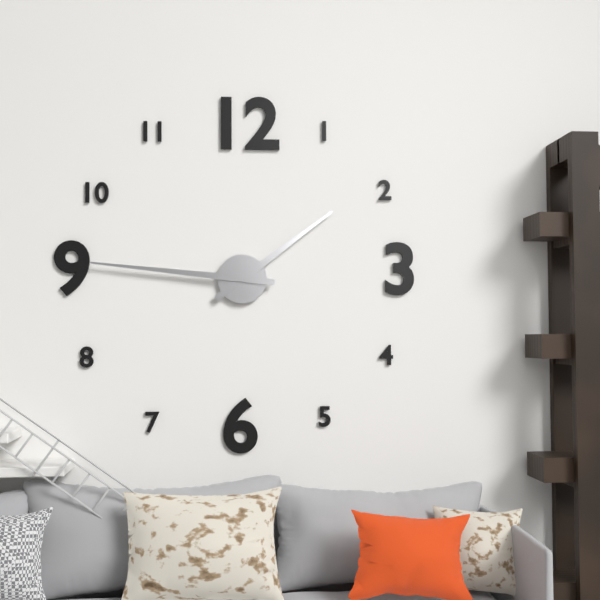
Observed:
1:46
